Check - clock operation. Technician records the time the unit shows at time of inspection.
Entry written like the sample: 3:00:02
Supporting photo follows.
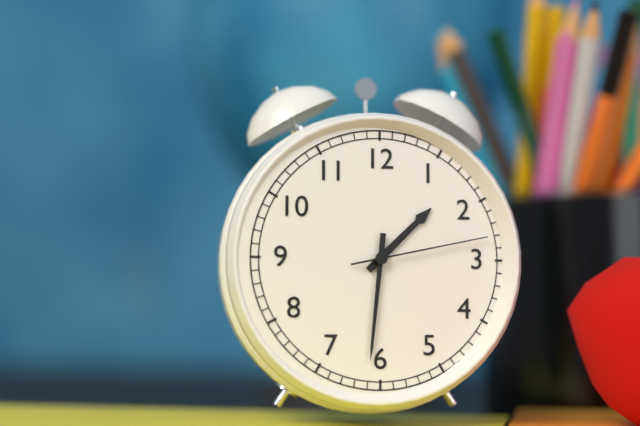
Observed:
1:31:13
